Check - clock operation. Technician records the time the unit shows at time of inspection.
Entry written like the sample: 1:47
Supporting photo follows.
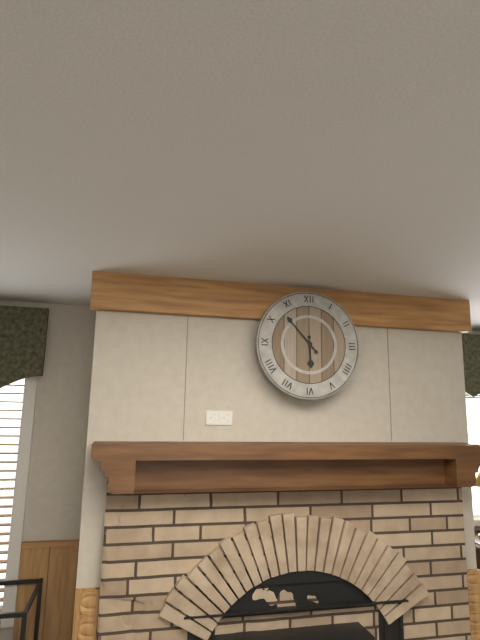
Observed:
5:53
